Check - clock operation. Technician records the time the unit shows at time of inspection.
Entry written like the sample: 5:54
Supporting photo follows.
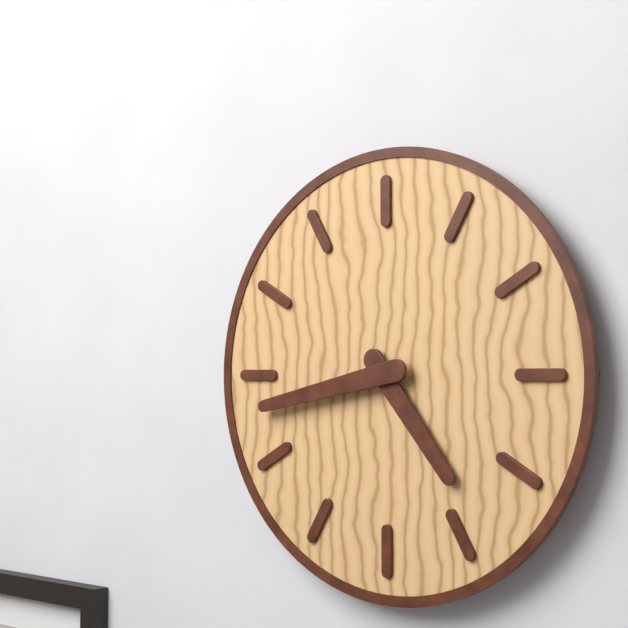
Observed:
4:43
